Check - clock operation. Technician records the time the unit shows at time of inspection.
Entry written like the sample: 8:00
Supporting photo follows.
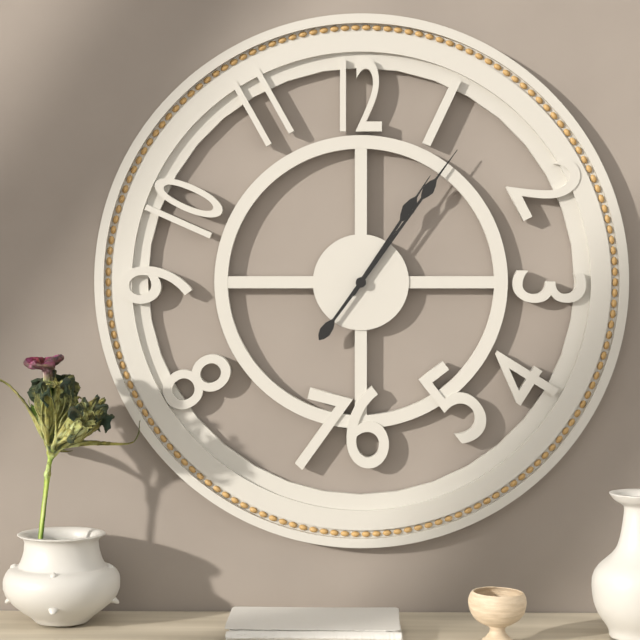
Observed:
1:06
